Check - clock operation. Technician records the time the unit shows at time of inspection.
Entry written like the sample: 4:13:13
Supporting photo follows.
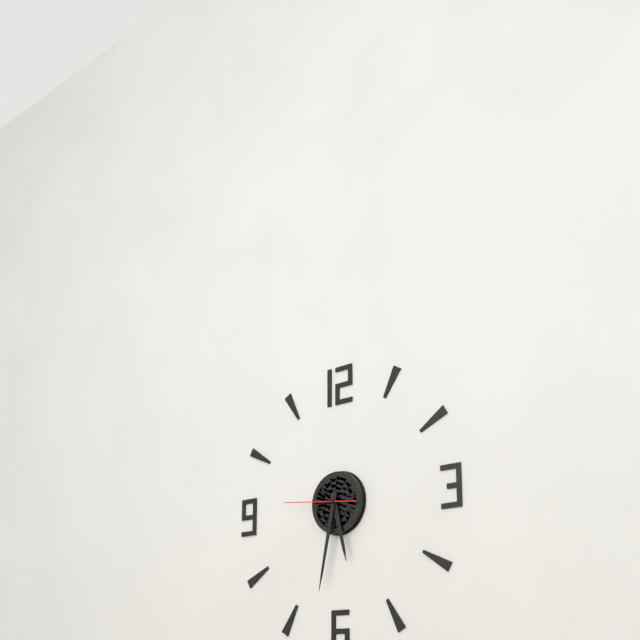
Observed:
5:32:46
